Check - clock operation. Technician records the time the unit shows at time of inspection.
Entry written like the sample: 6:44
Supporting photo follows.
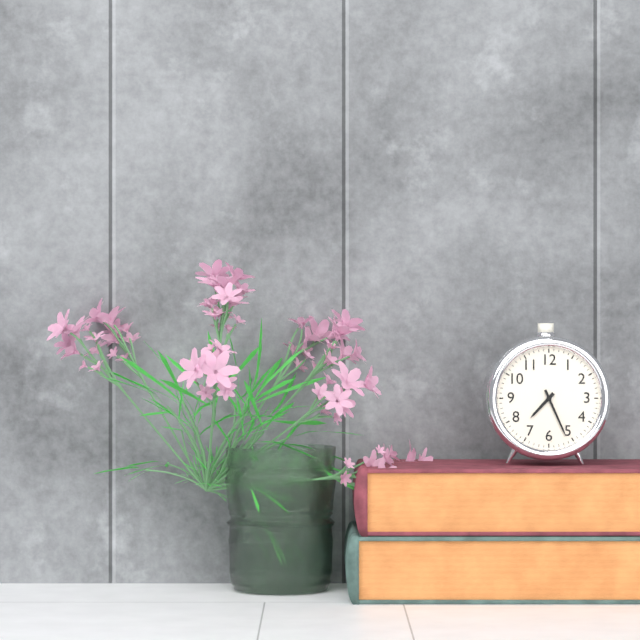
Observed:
7:26
